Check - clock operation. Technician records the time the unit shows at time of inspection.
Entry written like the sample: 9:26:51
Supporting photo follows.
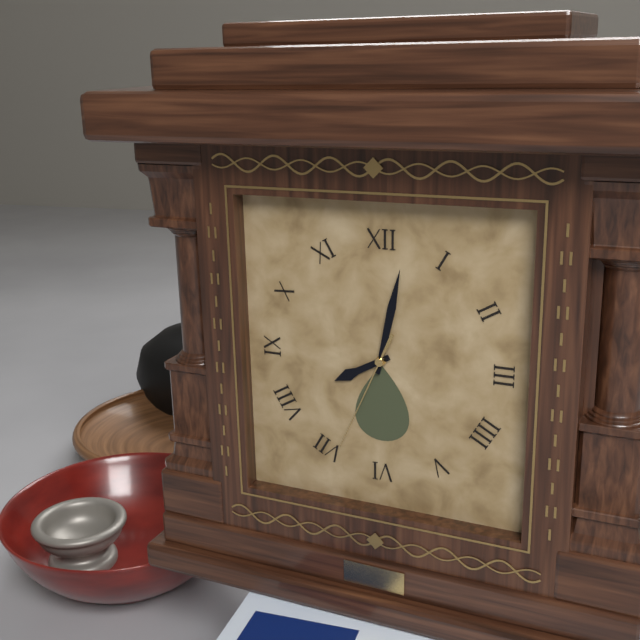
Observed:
8:02:34
